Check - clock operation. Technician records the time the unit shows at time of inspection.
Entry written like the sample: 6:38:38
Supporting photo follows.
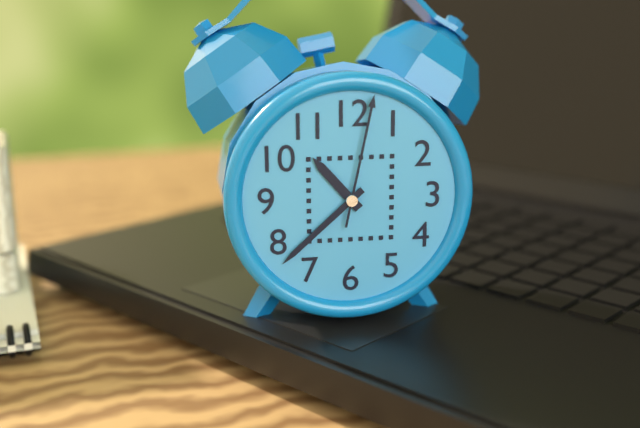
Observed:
10:38:02
